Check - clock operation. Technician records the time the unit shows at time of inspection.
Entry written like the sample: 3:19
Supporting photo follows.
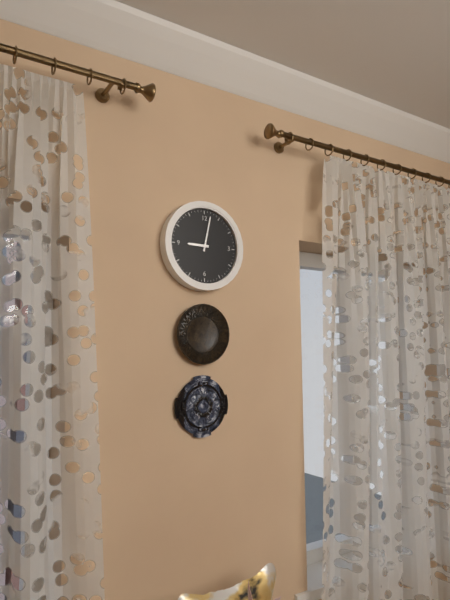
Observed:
9:02
